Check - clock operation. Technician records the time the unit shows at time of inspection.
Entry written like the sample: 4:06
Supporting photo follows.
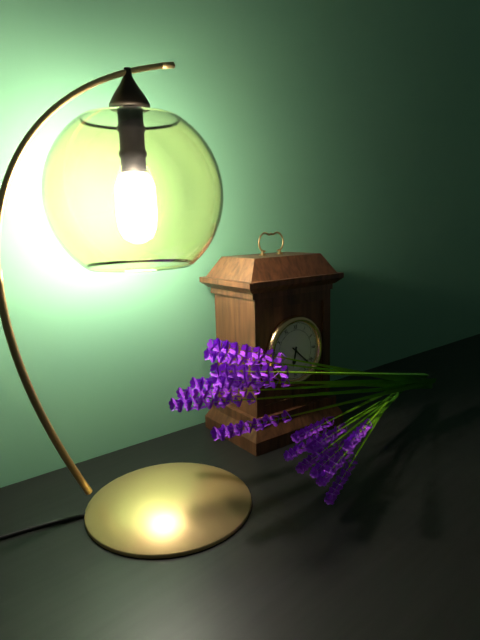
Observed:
6:22
